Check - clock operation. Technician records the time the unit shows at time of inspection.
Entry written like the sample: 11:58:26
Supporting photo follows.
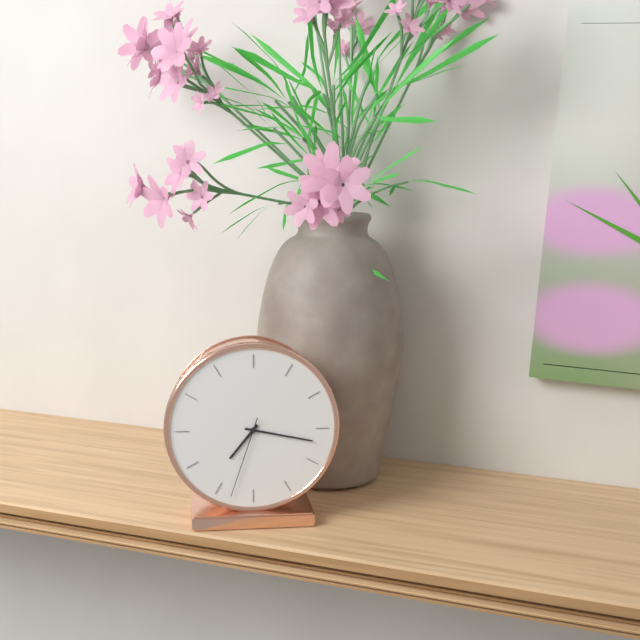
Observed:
7:17:33
